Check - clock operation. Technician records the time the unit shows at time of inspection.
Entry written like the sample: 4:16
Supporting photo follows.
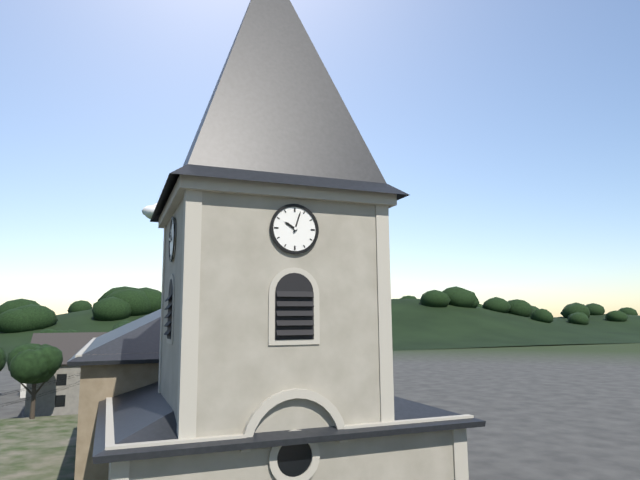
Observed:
10:03
